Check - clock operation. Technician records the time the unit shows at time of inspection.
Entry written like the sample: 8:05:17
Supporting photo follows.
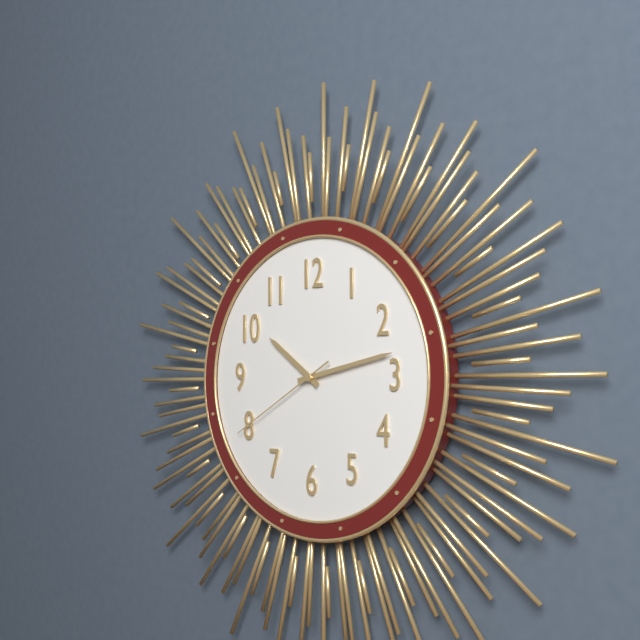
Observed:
10:13:40
